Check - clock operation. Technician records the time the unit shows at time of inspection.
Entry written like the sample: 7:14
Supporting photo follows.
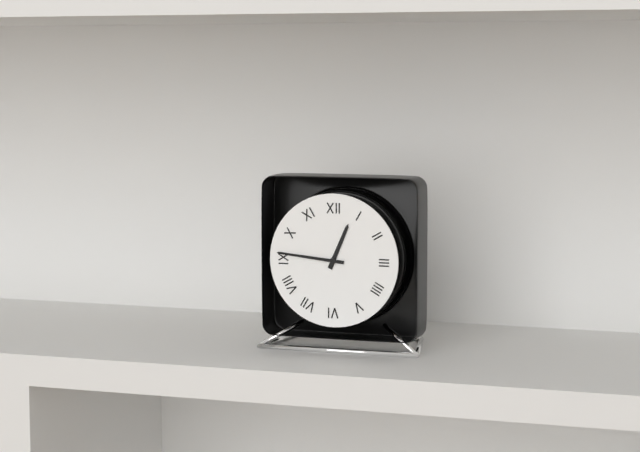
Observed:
12:46
